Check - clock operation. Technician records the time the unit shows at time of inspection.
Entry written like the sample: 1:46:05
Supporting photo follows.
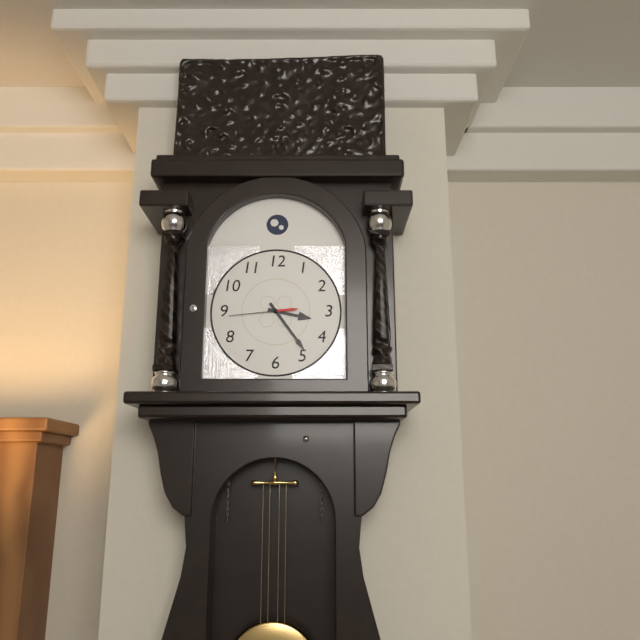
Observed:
3:24:44
